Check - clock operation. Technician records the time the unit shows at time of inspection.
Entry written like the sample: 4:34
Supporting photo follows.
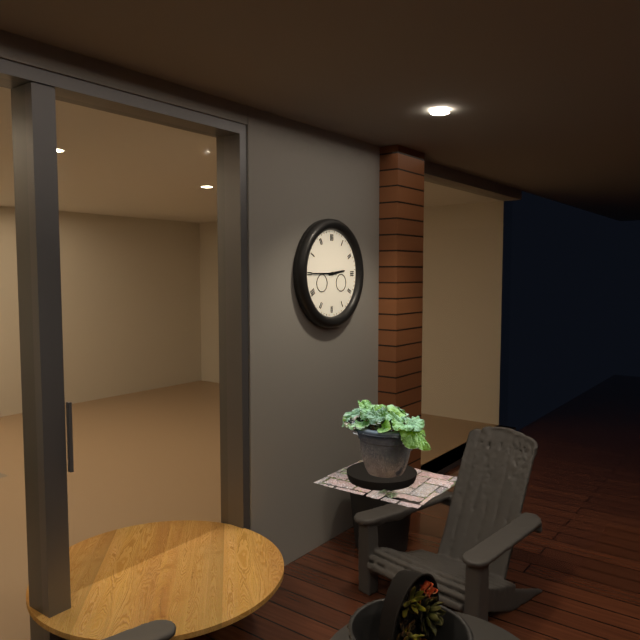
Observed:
2:45
